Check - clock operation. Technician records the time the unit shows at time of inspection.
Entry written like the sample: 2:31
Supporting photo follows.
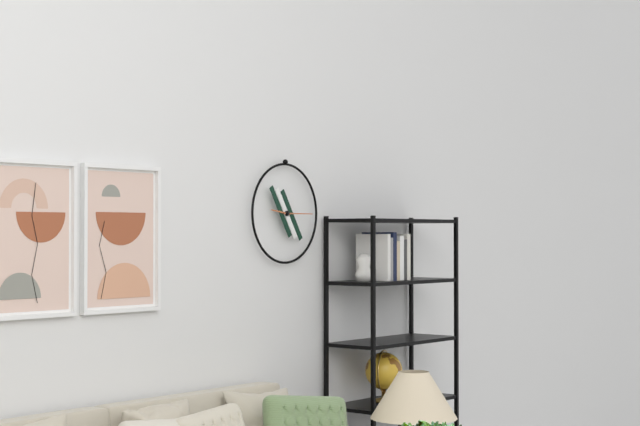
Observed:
9:15
